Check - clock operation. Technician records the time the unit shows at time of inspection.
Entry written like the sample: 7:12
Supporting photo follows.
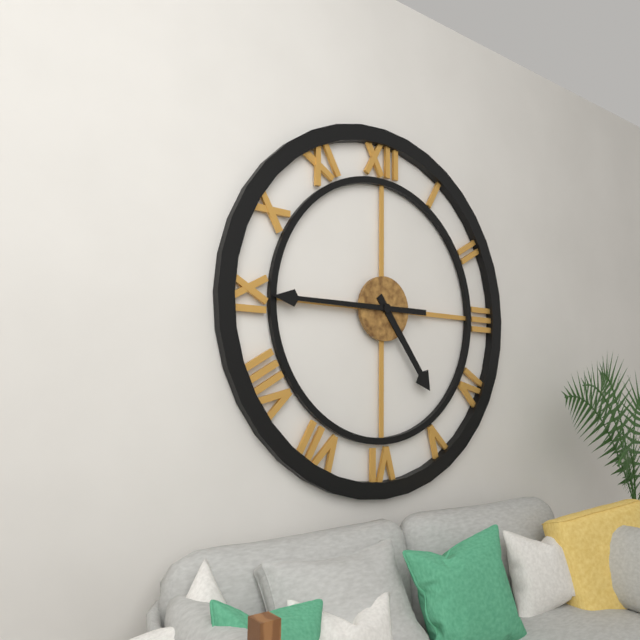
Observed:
4:45
